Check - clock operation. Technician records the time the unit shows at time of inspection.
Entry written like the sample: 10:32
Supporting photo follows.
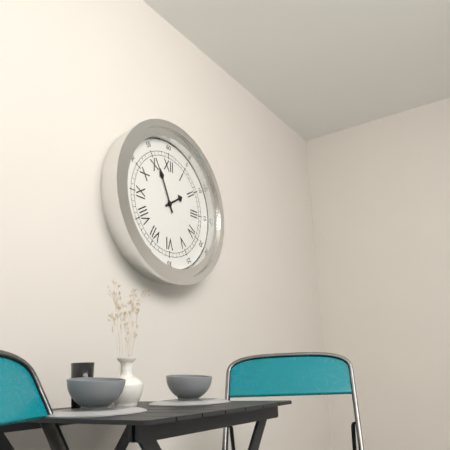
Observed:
1:56
